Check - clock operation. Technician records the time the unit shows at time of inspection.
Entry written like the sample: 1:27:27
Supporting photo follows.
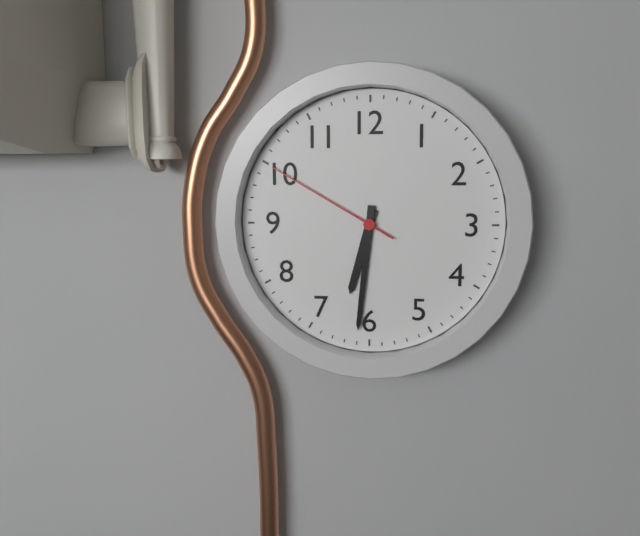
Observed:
6:31:50
